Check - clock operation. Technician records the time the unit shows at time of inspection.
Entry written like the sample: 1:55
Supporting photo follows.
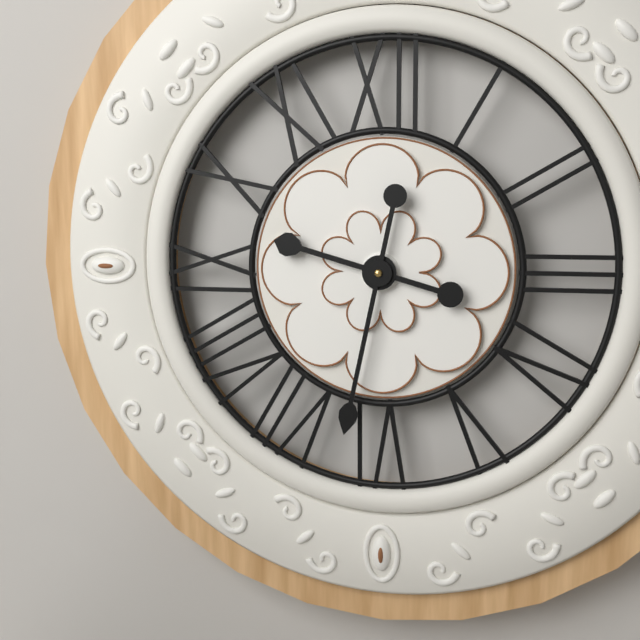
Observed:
9:32
